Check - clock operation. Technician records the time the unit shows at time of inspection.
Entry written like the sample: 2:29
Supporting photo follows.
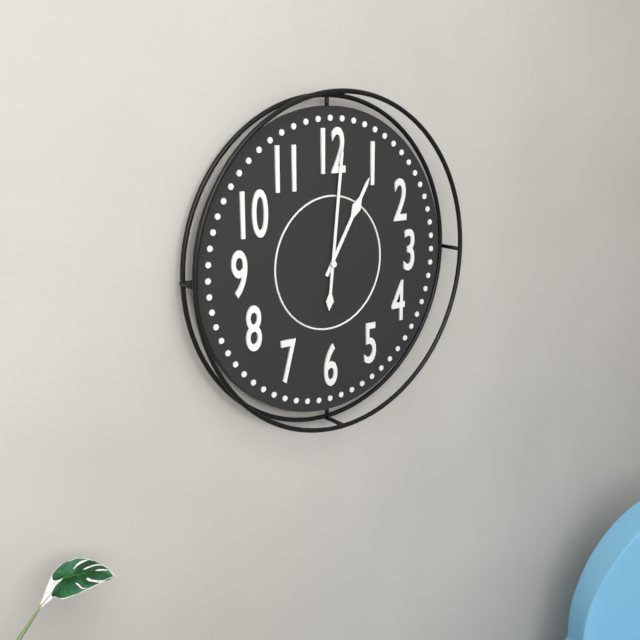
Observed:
1:01
